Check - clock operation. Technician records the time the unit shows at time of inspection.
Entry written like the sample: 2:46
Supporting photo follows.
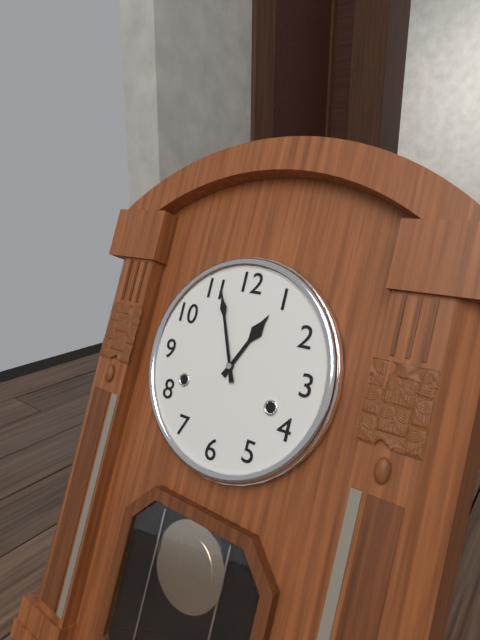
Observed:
12:56
